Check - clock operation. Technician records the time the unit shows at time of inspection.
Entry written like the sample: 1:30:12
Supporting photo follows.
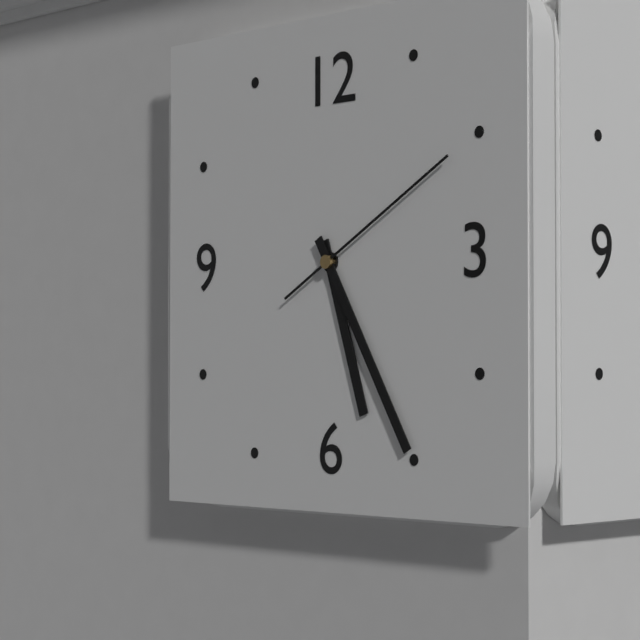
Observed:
5:25:10
